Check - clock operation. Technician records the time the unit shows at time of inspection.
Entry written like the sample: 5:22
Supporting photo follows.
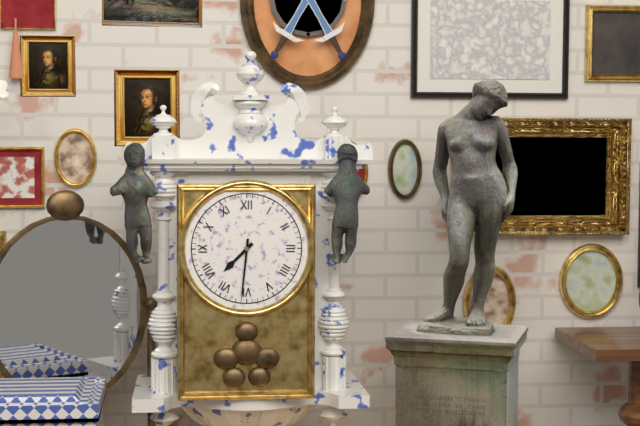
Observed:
7:31
